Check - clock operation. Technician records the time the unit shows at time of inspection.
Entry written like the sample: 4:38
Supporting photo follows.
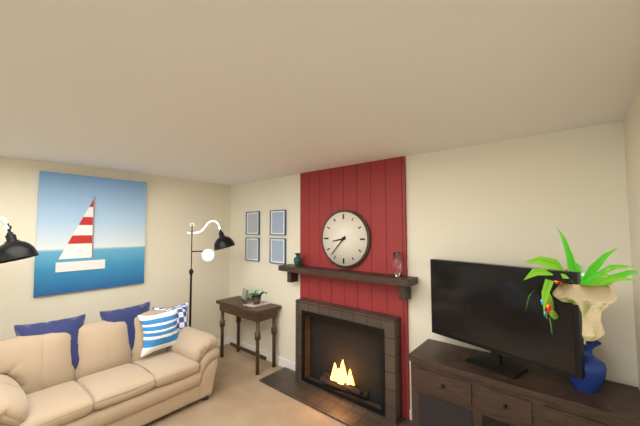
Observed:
8:37
